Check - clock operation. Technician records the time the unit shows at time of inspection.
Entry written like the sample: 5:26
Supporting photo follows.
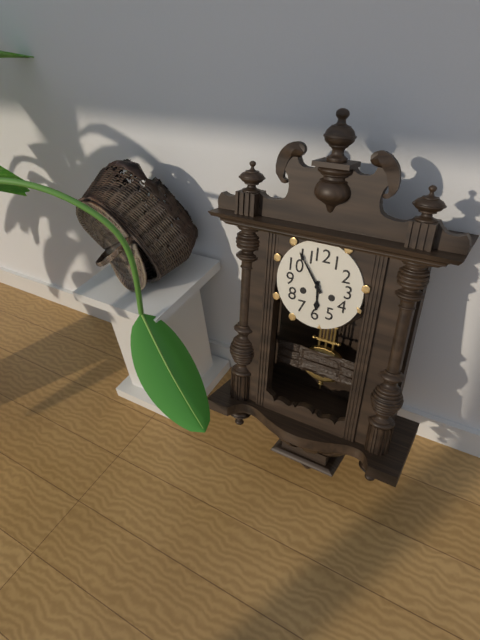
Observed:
5:54
